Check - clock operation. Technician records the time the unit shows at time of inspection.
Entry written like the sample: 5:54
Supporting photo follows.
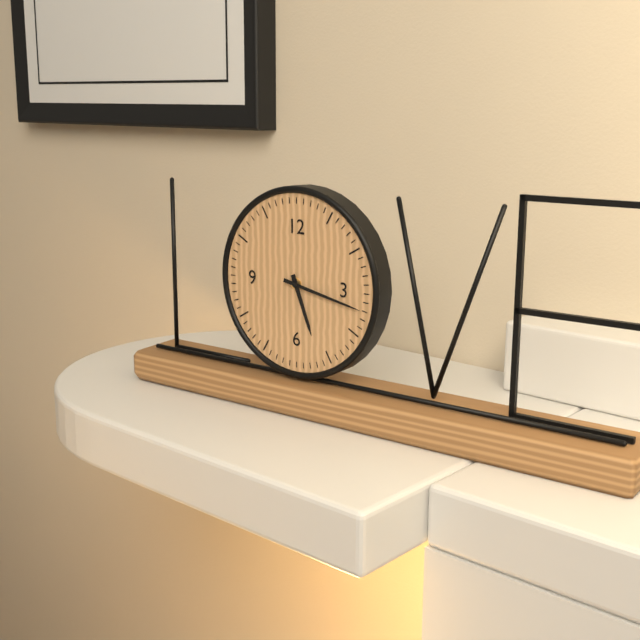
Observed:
5:17
